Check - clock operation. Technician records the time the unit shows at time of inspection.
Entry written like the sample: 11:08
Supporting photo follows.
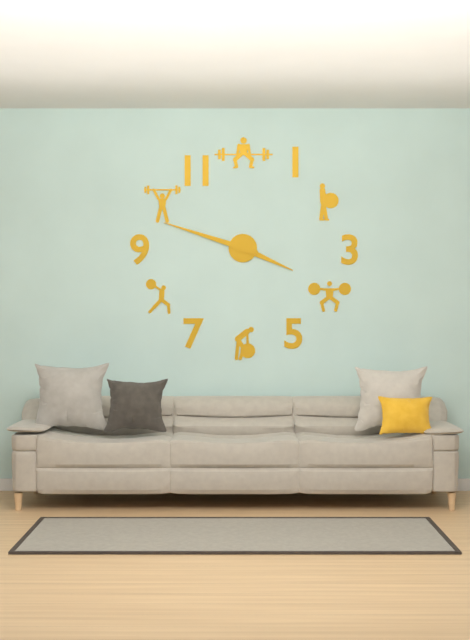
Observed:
3:48
